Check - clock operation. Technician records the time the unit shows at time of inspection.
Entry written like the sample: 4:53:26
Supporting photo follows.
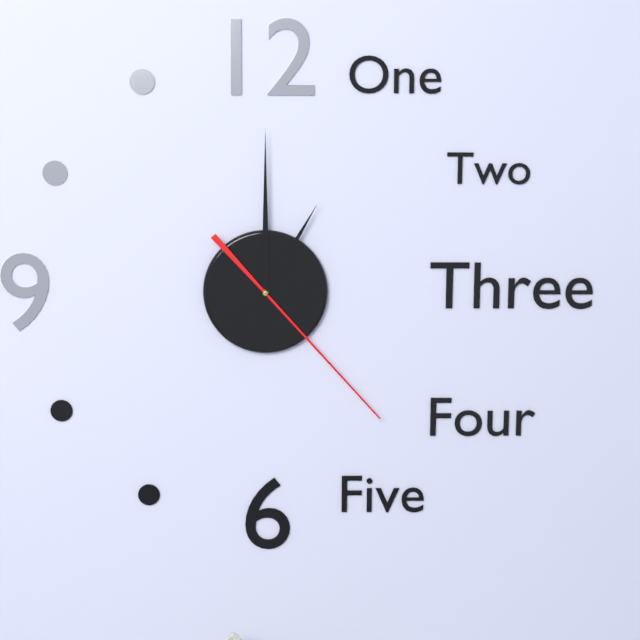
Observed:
1:00:23
